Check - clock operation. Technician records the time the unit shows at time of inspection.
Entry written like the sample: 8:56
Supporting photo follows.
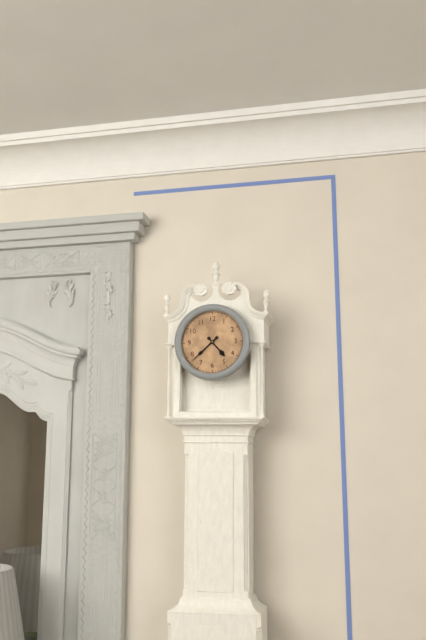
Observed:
4:38
